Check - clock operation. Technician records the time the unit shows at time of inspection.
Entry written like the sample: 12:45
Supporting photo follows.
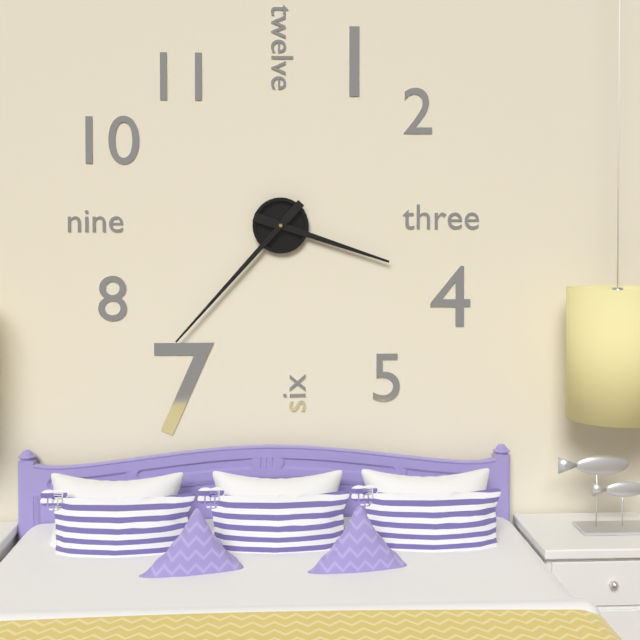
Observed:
3:37
